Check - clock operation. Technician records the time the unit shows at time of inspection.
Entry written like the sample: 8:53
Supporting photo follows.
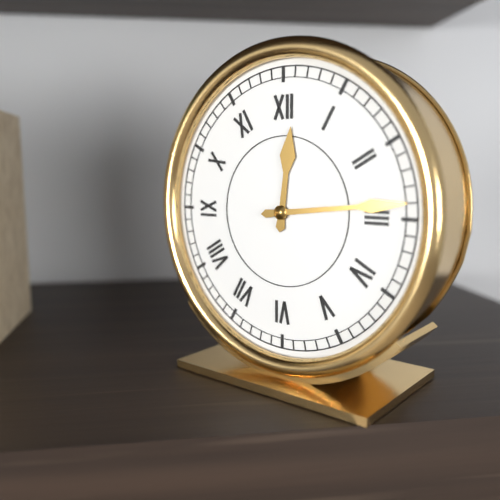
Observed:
12:14
